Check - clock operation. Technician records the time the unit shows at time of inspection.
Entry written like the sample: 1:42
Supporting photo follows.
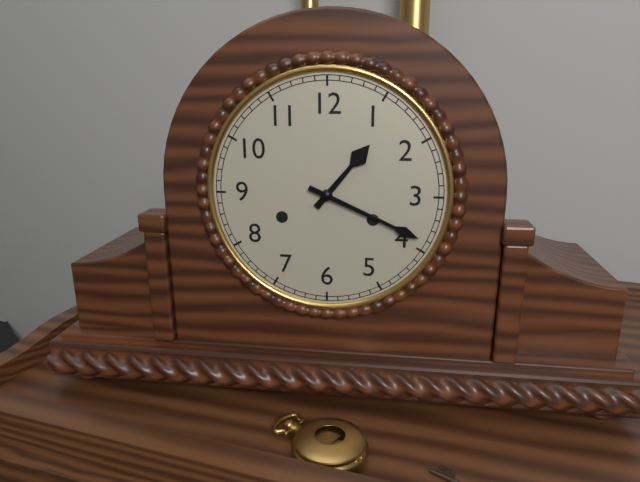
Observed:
1:19
